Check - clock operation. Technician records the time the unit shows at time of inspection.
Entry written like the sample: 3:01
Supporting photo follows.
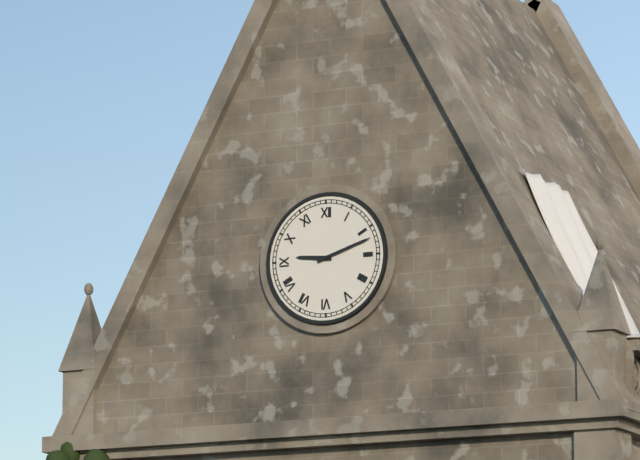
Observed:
9:12
